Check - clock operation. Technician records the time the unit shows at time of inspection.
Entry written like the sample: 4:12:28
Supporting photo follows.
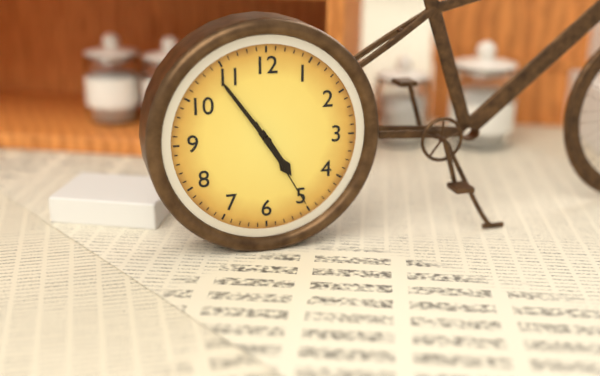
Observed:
4:54:25
